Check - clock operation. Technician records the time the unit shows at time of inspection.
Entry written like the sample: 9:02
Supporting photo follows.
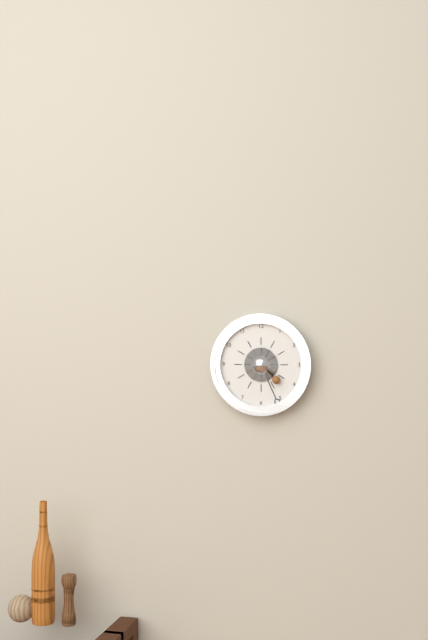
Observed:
4:26
